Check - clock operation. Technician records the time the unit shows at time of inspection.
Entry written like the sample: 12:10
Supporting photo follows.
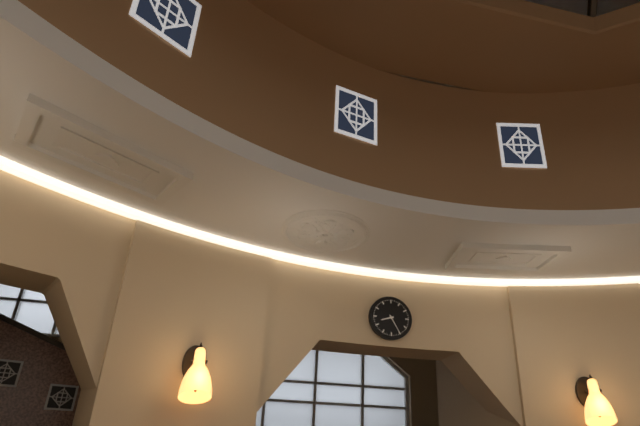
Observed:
8:25
